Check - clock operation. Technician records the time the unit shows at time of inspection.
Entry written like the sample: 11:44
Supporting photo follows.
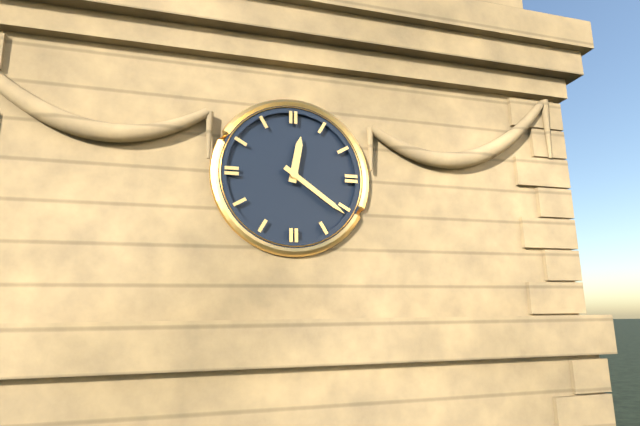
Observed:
12:21
